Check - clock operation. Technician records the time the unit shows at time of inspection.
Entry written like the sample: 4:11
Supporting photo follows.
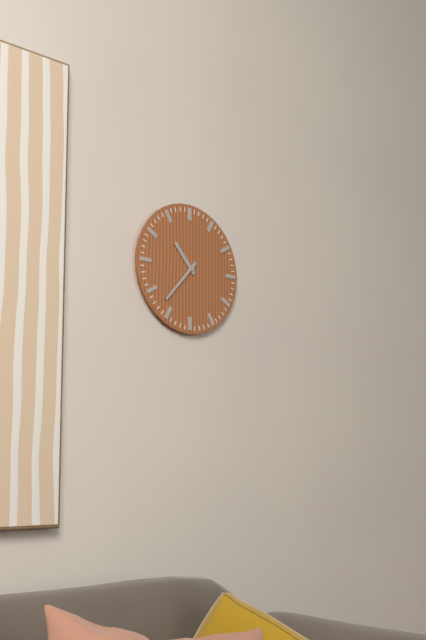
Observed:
10:37
